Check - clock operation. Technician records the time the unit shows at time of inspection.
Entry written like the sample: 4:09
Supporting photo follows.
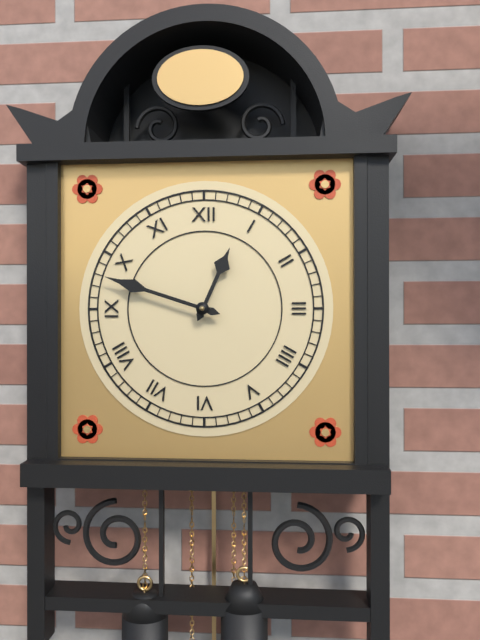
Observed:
12:48
